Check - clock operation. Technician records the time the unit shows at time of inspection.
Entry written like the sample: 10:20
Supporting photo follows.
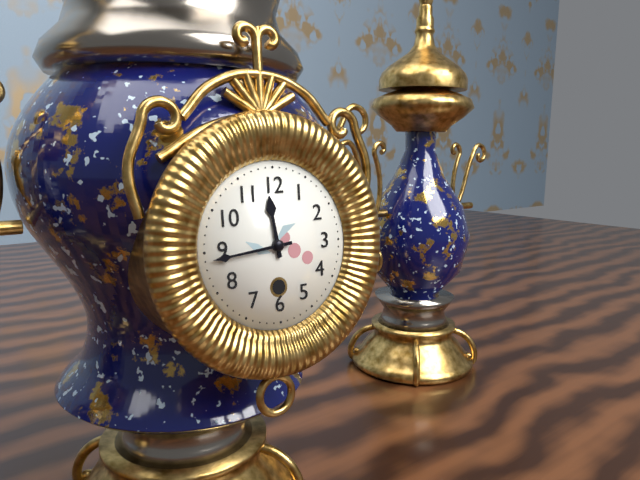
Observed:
11:44
